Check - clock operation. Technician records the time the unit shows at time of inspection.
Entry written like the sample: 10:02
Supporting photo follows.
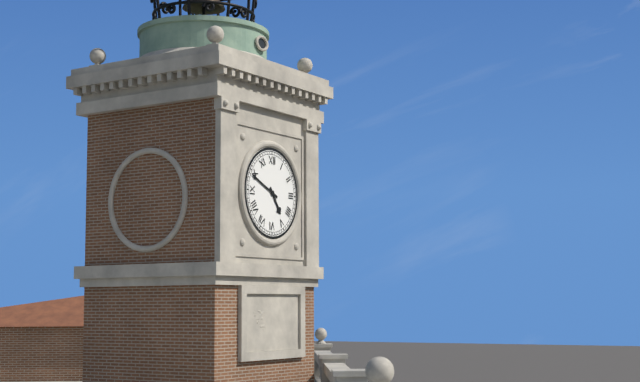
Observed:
4:49
